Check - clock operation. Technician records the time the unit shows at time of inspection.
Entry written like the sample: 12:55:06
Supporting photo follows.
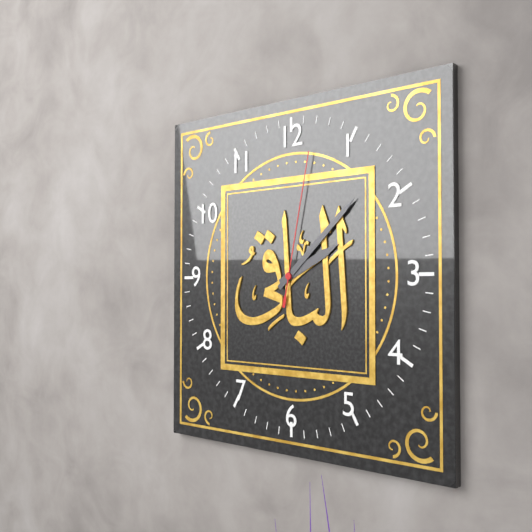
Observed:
2:08:02
